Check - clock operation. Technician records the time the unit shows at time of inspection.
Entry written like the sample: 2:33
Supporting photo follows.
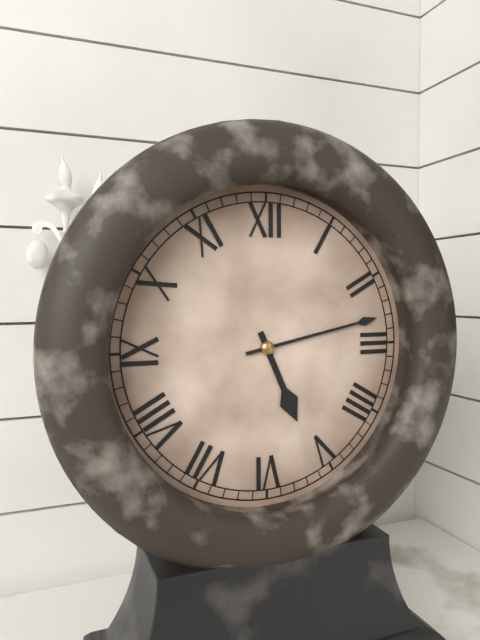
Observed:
5:13
